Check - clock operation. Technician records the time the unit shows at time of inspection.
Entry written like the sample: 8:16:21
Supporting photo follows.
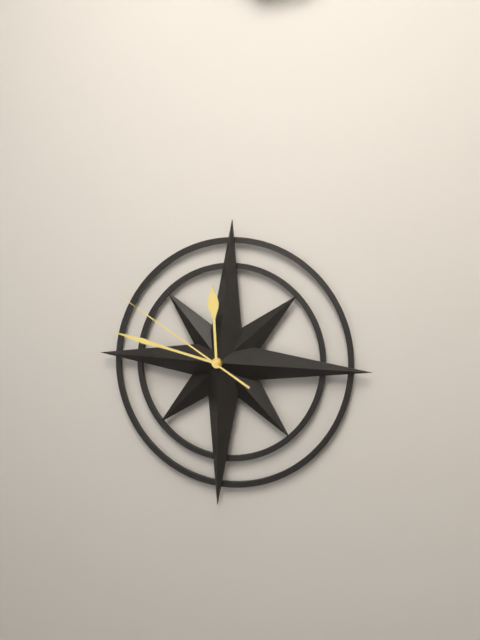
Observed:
11:47:50
